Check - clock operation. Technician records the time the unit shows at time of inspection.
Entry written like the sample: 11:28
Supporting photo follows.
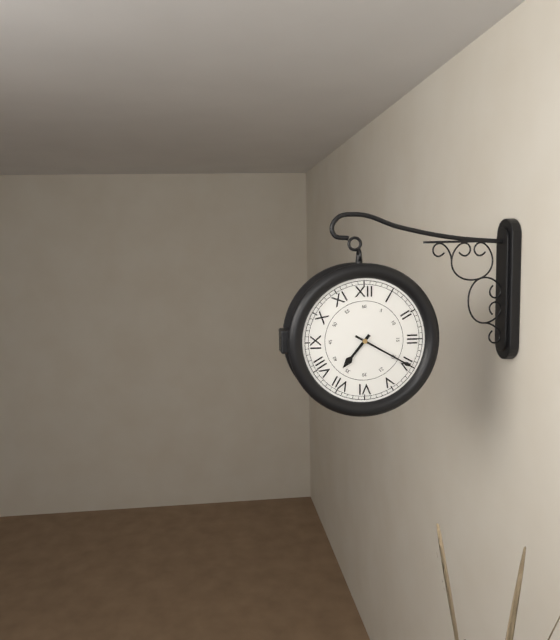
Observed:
7:20
